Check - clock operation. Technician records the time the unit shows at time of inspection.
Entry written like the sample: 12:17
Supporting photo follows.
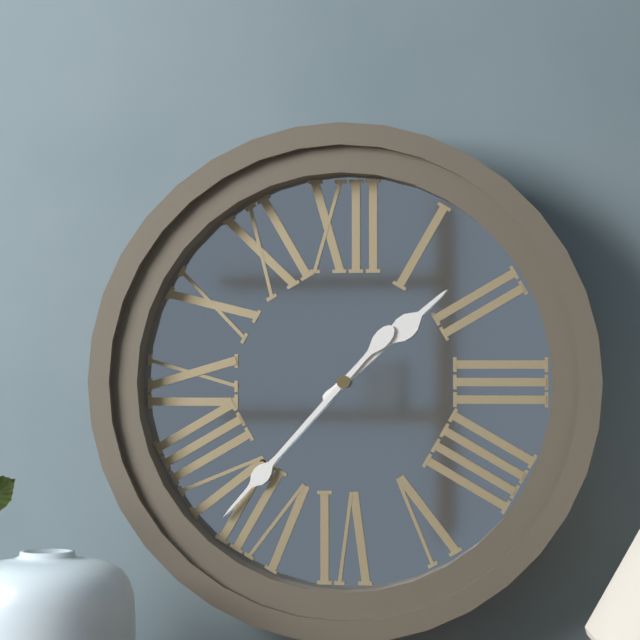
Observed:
1:37
